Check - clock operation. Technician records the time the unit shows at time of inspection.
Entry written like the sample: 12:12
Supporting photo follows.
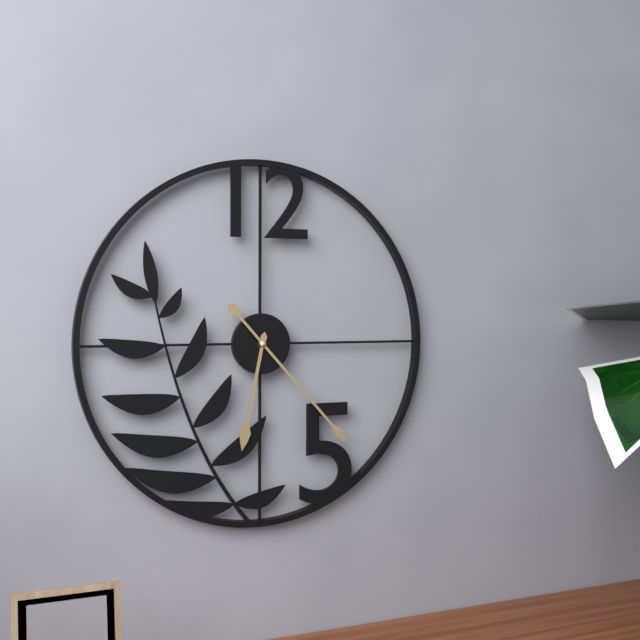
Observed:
6:23
